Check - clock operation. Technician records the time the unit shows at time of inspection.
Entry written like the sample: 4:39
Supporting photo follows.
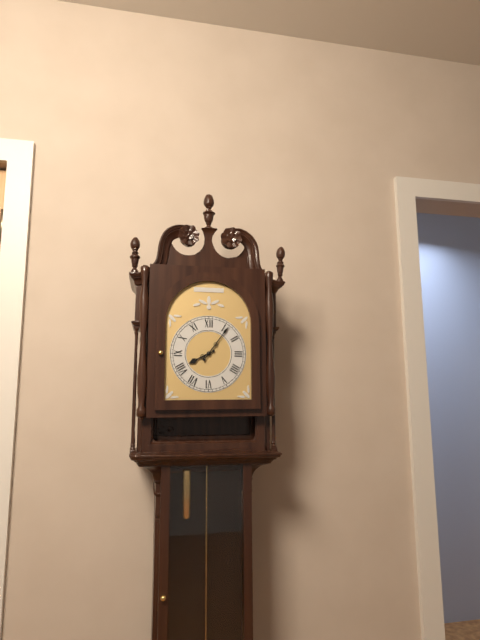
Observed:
8:06
